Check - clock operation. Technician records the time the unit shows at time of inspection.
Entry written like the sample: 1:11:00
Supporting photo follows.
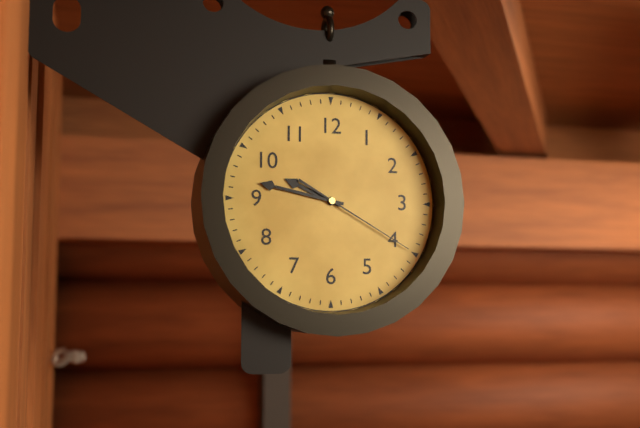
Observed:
9:47:20
